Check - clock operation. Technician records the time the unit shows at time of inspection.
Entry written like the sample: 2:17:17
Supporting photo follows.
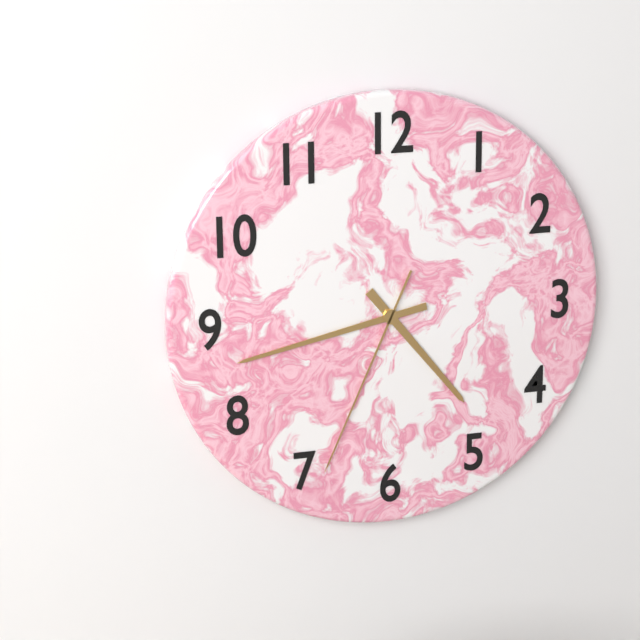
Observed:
4:43:34
